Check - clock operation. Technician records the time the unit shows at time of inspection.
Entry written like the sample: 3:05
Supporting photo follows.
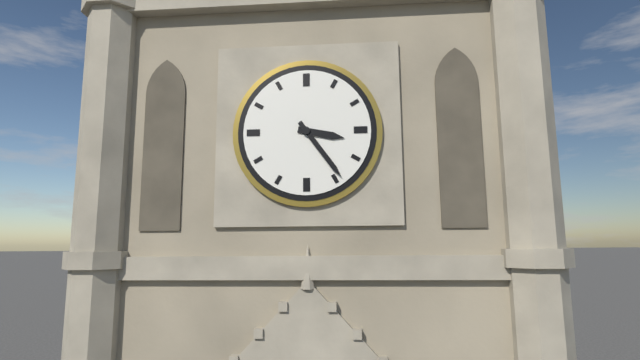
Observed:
3:24
